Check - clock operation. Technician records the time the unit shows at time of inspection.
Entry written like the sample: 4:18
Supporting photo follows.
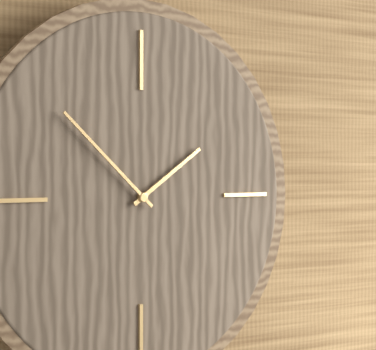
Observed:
1:52
